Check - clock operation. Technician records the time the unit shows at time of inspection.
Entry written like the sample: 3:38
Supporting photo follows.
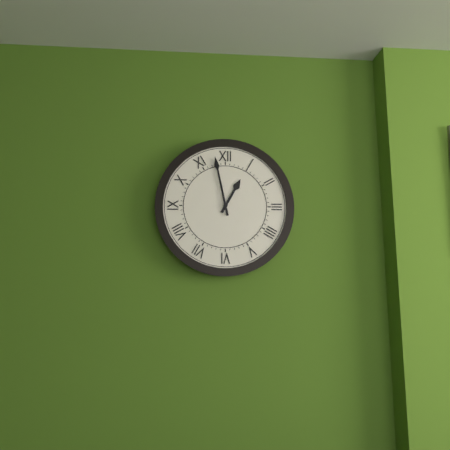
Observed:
12:58
